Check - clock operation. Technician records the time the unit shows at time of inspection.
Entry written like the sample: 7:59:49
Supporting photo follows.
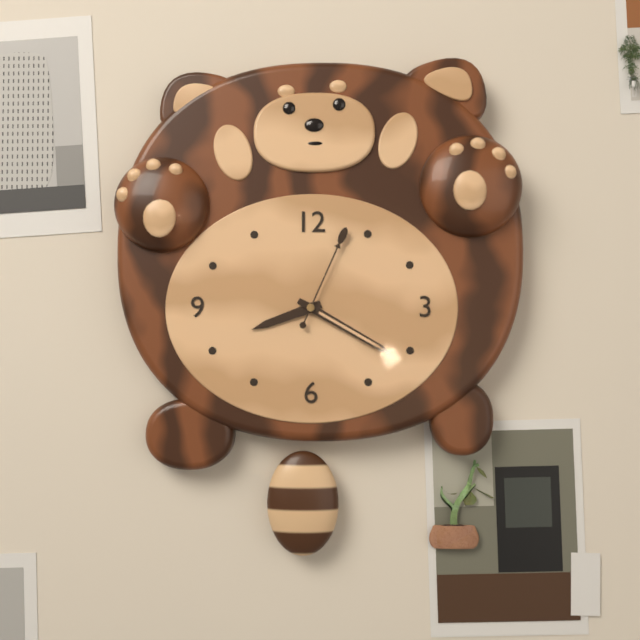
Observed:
8:20:04
